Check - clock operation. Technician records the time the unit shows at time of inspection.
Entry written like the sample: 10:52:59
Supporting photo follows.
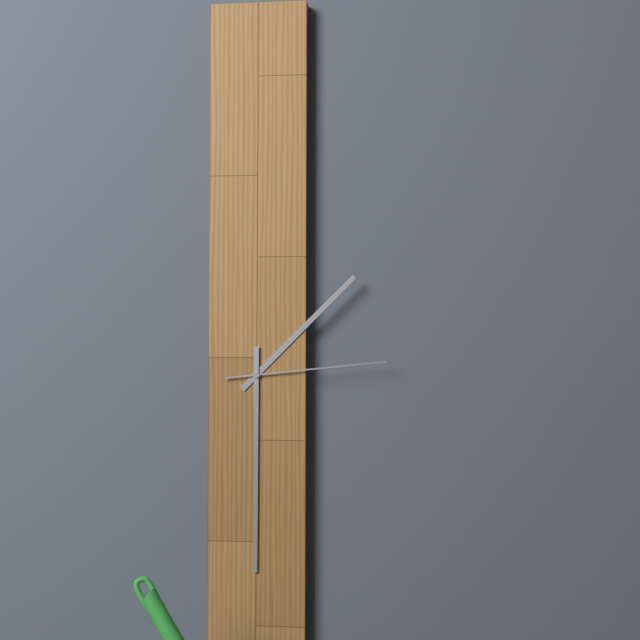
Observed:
1:30:14
